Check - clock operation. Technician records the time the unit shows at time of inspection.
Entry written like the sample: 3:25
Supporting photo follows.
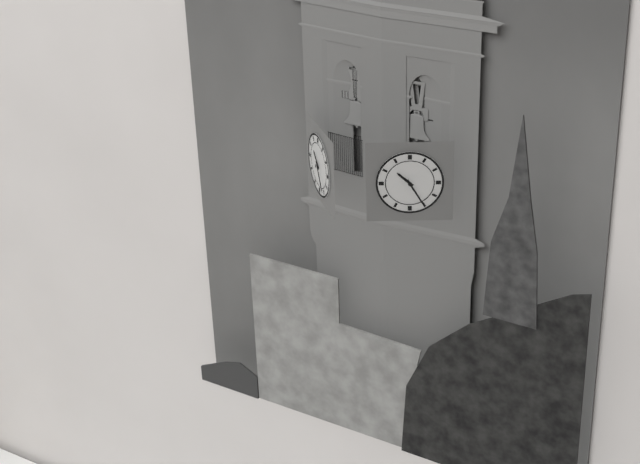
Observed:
10:25
